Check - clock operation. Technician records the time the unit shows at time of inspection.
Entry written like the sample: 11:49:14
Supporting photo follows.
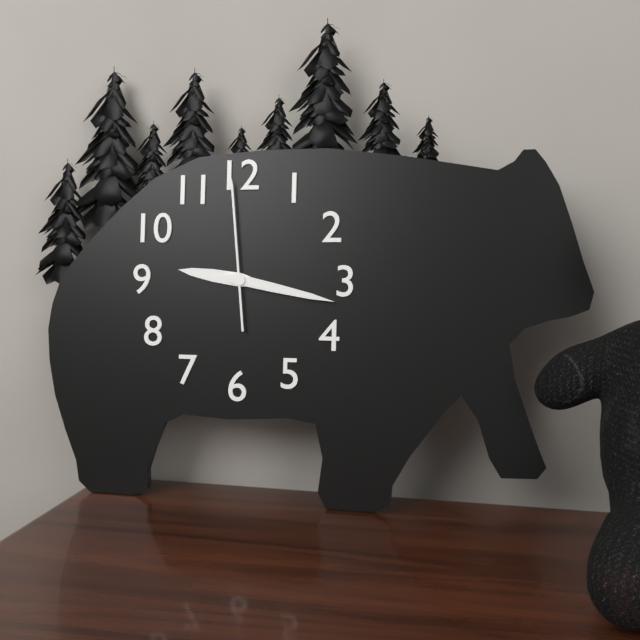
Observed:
9:17:59
